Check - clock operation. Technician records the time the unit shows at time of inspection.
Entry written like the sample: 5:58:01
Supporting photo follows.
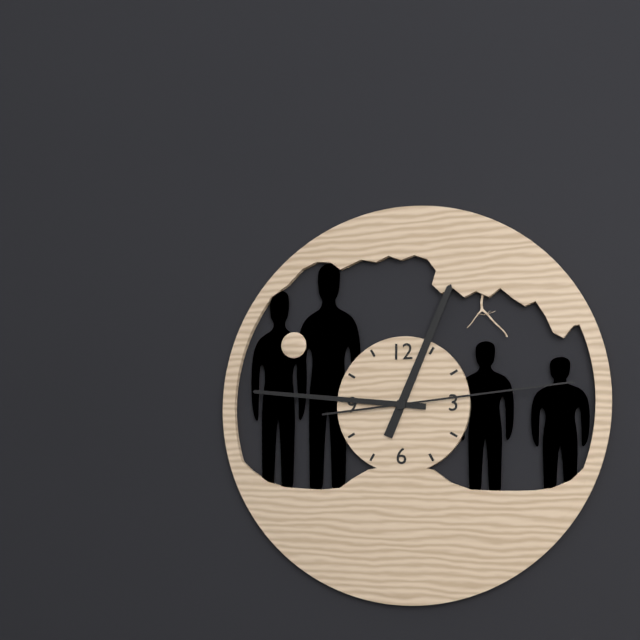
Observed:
12:46:14
